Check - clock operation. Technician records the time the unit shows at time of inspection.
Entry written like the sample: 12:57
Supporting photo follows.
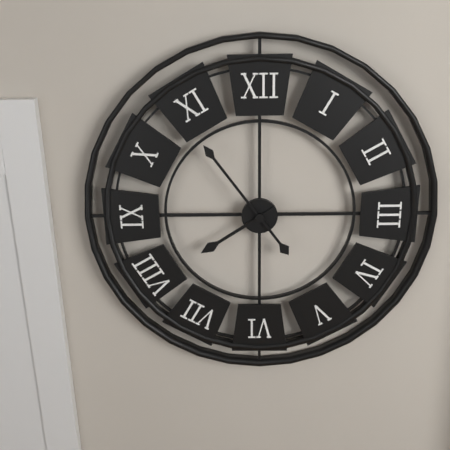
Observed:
7:54
